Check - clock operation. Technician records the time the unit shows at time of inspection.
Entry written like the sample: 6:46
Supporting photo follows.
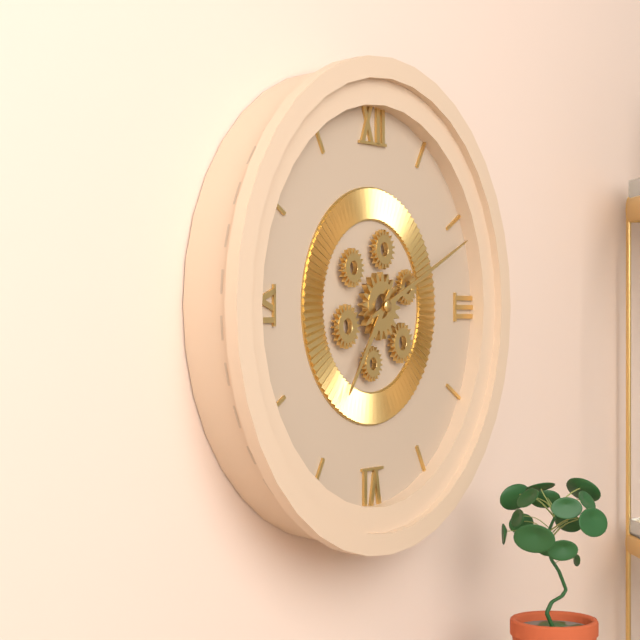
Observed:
7:11
